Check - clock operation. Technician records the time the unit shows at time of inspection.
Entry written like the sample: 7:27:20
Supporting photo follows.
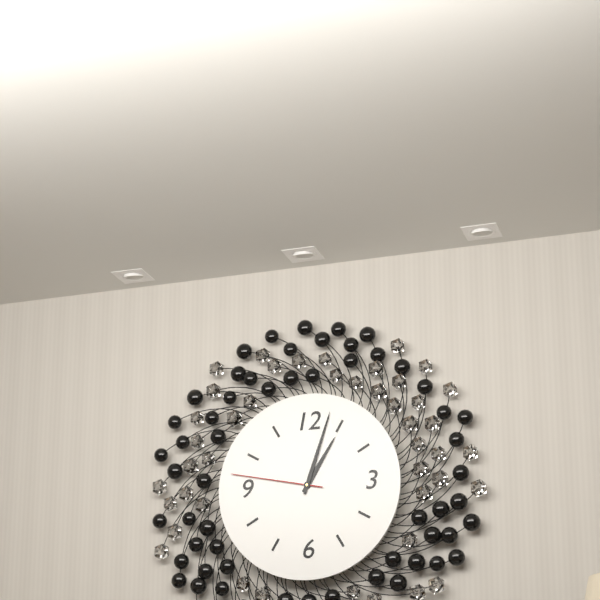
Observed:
1:03:47
